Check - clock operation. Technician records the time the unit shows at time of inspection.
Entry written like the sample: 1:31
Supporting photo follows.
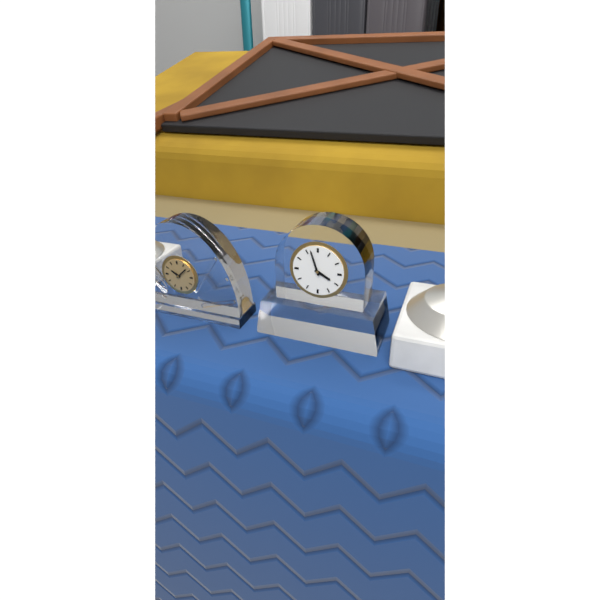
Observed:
3:57
